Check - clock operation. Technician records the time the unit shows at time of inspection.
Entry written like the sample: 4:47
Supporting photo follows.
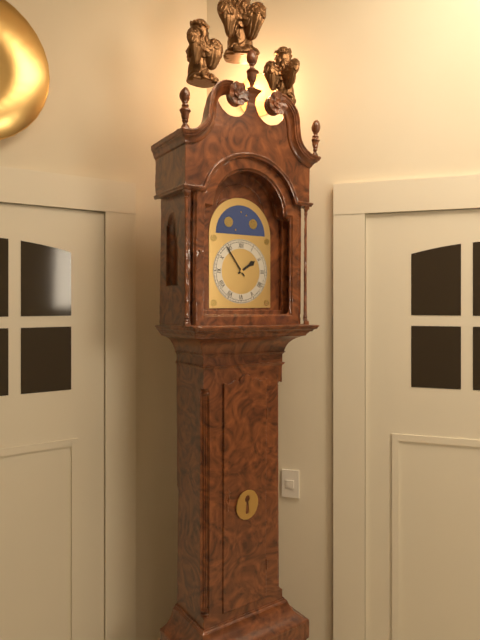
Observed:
1:54
